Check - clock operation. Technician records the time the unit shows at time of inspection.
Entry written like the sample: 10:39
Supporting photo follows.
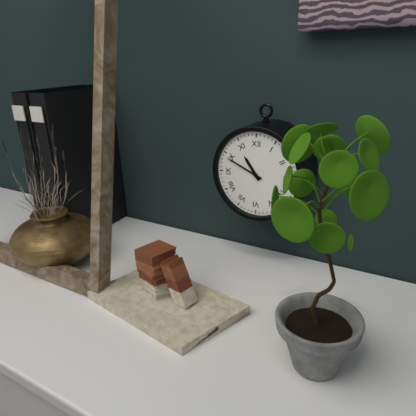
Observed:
10:49
